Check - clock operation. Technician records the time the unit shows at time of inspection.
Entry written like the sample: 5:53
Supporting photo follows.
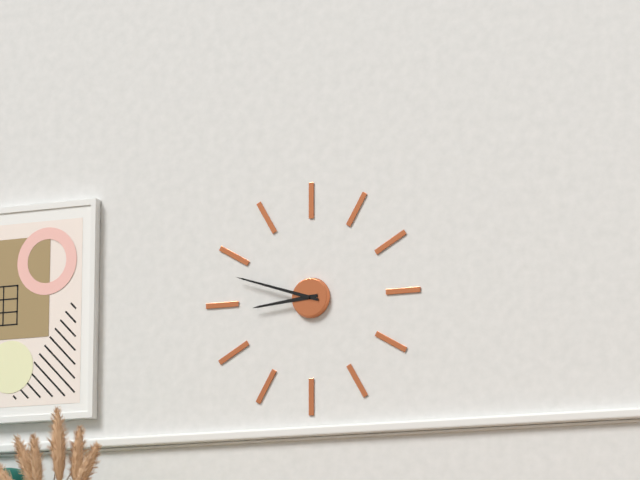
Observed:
8:48
